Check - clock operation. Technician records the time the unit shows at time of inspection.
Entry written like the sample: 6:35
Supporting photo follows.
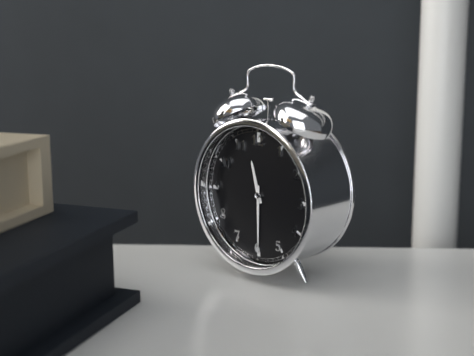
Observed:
11:30
